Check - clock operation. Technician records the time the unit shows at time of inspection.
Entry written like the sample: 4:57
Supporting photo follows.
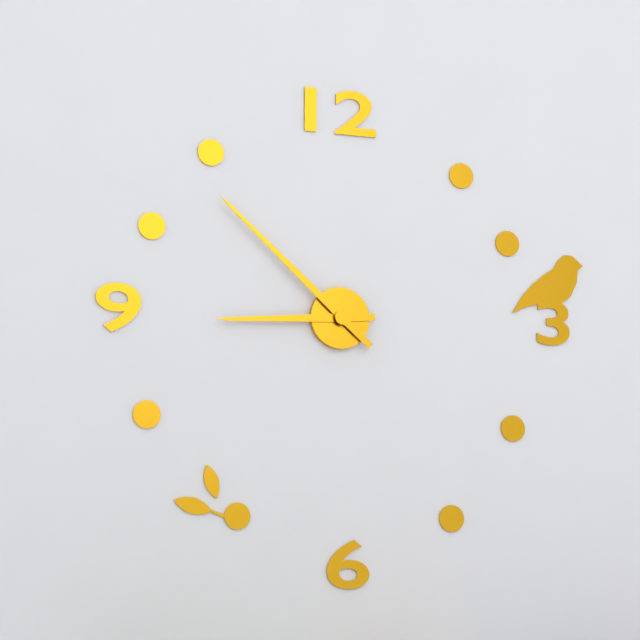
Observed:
8:52
